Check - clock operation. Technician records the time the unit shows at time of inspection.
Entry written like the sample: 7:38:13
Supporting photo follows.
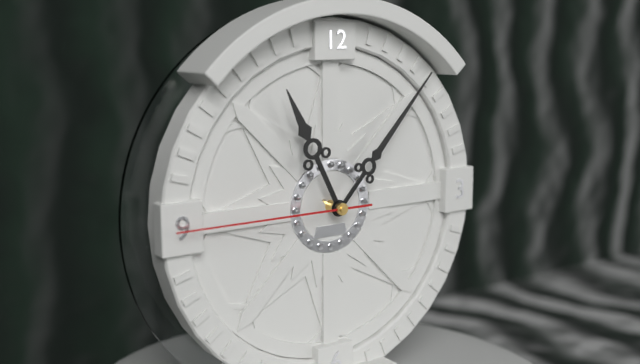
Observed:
11:07:45
